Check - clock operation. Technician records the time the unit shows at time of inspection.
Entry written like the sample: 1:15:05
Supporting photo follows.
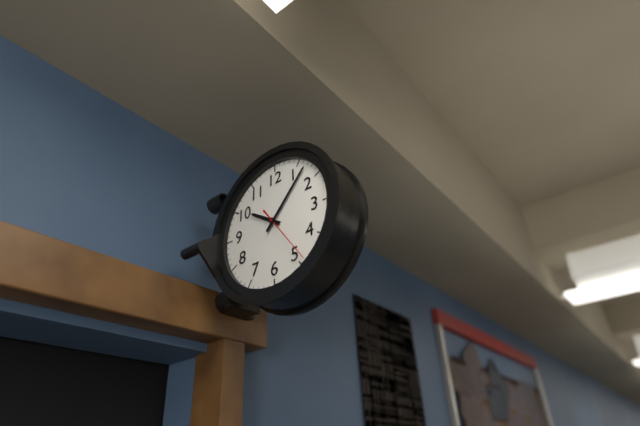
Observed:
10:07:24
